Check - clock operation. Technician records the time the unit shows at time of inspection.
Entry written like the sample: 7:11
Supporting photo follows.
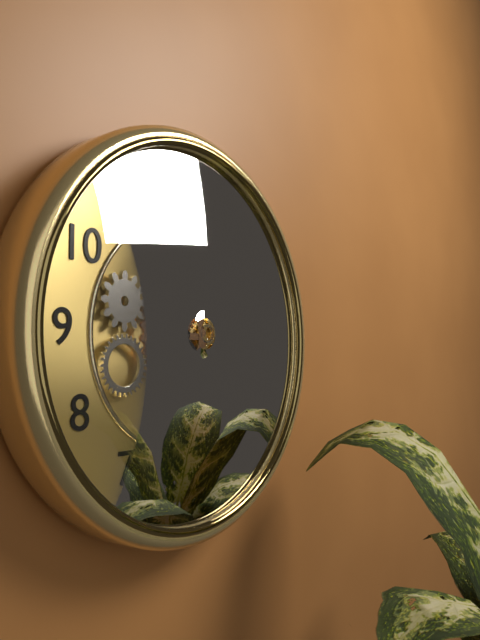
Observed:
4:28
